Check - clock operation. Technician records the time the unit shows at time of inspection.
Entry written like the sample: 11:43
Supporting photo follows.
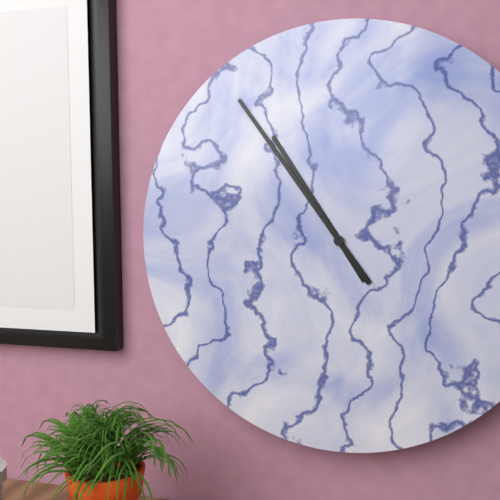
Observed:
10:54
